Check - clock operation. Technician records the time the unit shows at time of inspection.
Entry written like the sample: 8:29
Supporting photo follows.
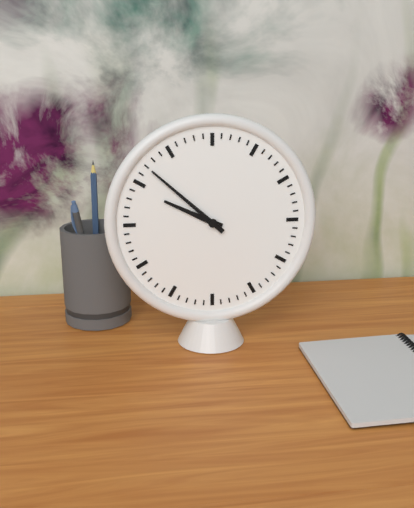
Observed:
9:52
